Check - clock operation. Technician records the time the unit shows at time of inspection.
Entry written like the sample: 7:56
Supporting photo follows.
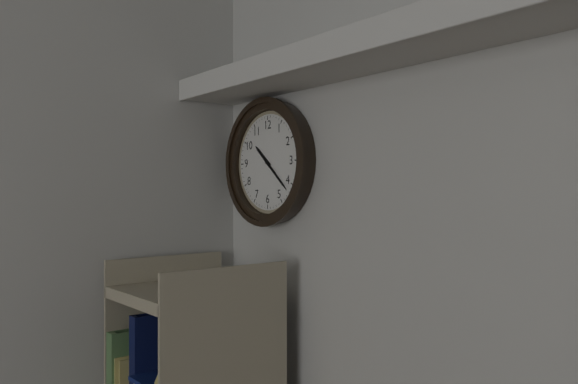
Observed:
10:22
